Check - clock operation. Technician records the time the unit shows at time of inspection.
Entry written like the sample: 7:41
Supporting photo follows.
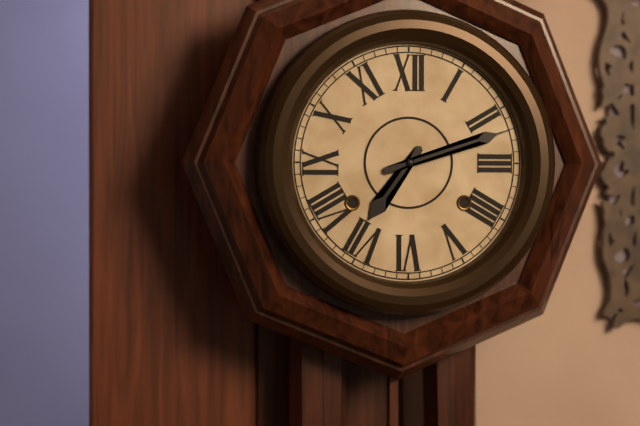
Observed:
7:12
